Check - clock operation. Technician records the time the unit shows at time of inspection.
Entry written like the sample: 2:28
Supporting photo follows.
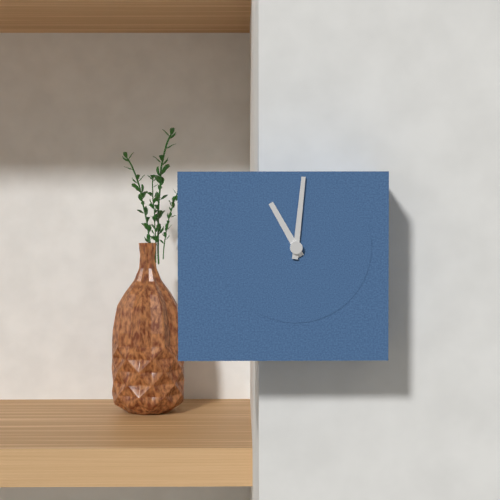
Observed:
11:01
